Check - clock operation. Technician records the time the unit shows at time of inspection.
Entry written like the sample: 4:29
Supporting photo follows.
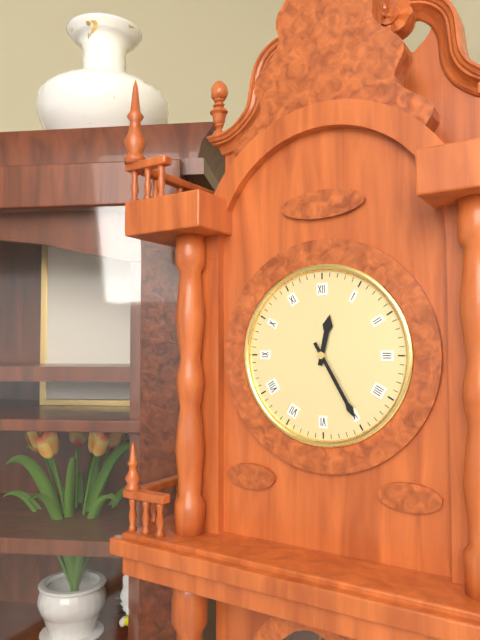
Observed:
12:25
